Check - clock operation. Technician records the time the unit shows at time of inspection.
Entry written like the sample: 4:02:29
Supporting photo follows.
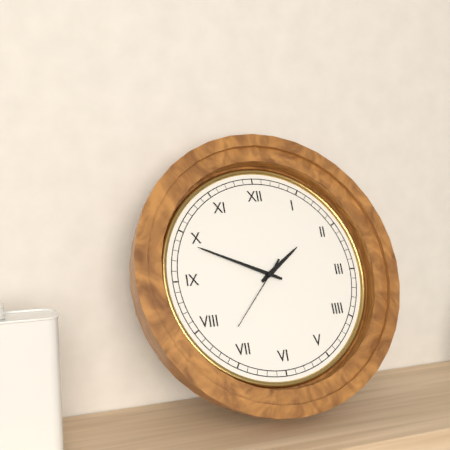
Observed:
1:49:37
